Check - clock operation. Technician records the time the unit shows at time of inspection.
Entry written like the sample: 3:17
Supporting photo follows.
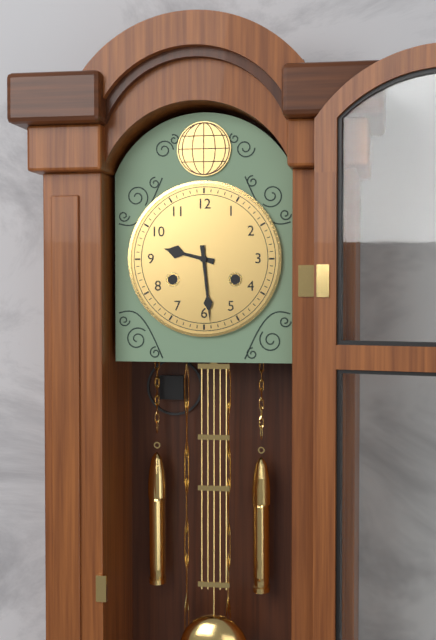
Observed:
9:29
